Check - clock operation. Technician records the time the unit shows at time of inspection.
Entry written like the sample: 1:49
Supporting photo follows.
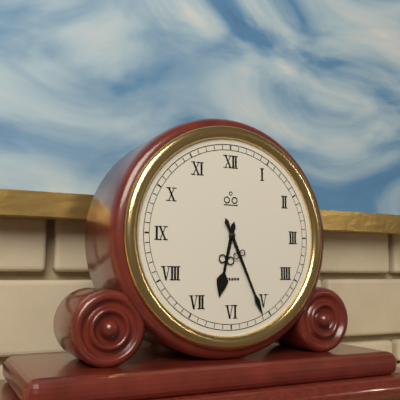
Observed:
6:26
